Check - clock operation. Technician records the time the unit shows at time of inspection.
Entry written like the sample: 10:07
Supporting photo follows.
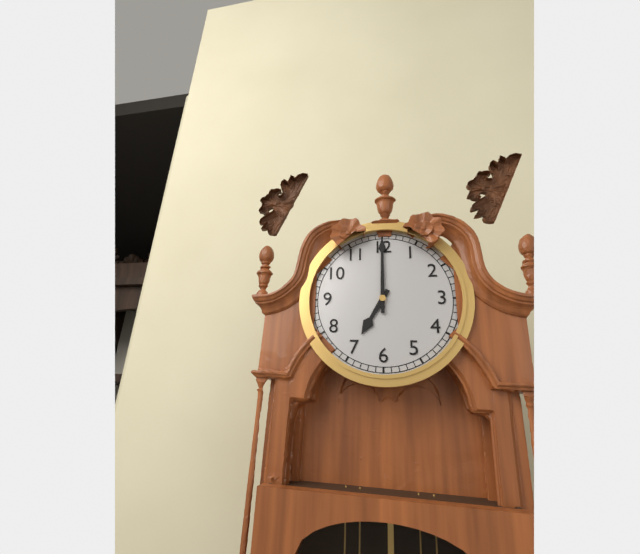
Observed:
7:00
